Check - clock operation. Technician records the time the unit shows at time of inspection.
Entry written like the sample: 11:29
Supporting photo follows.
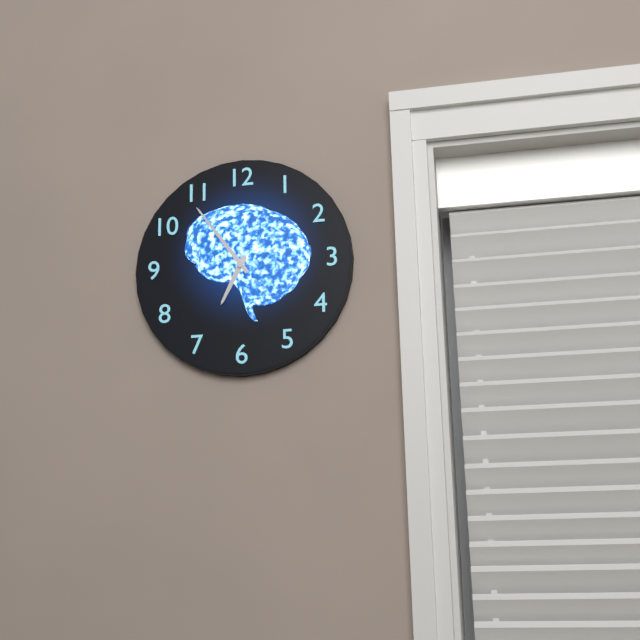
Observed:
6:54
